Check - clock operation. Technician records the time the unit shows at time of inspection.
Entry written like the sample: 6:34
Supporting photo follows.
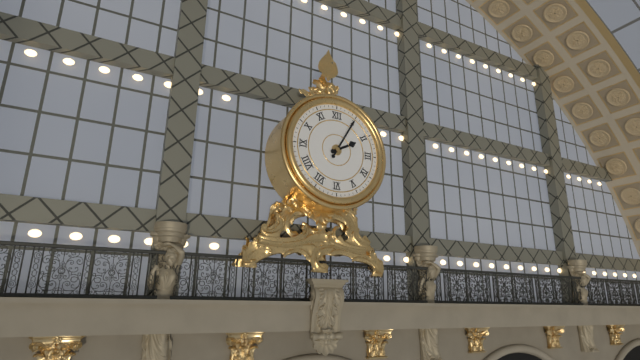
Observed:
2:05
